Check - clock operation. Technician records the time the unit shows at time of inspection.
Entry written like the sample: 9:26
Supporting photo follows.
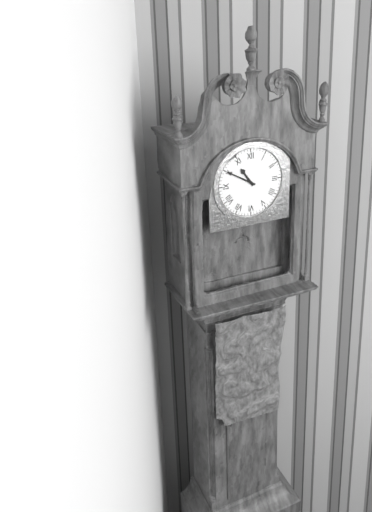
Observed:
10:50
